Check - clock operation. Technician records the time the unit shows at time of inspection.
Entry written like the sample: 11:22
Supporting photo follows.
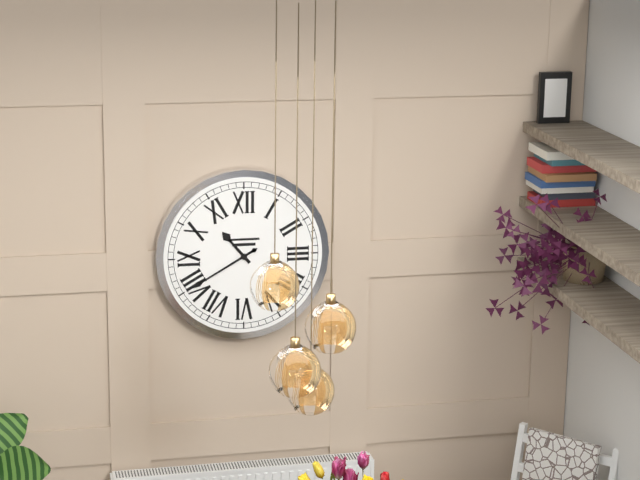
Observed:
10:40
